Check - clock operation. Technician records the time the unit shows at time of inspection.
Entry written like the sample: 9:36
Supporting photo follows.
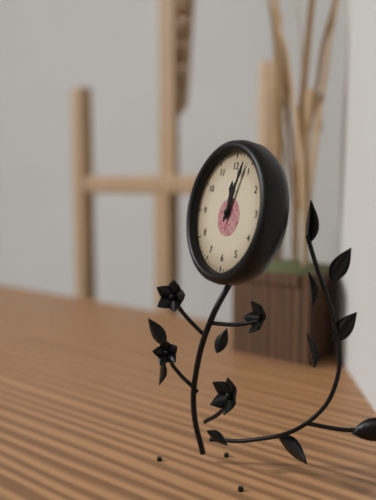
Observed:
12:03
